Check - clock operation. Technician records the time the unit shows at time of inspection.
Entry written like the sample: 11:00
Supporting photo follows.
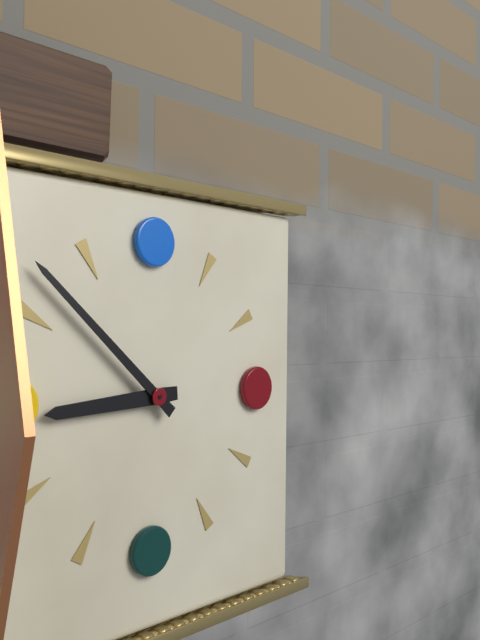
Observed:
8:52
